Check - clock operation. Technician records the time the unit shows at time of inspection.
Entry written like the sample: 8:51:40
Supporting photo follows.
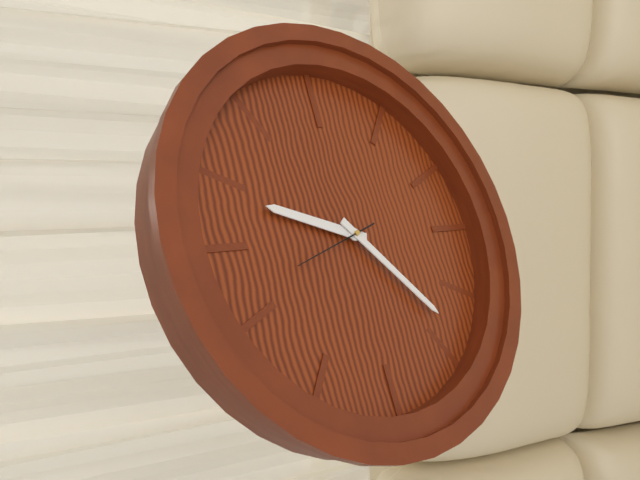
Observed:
12:38:57
